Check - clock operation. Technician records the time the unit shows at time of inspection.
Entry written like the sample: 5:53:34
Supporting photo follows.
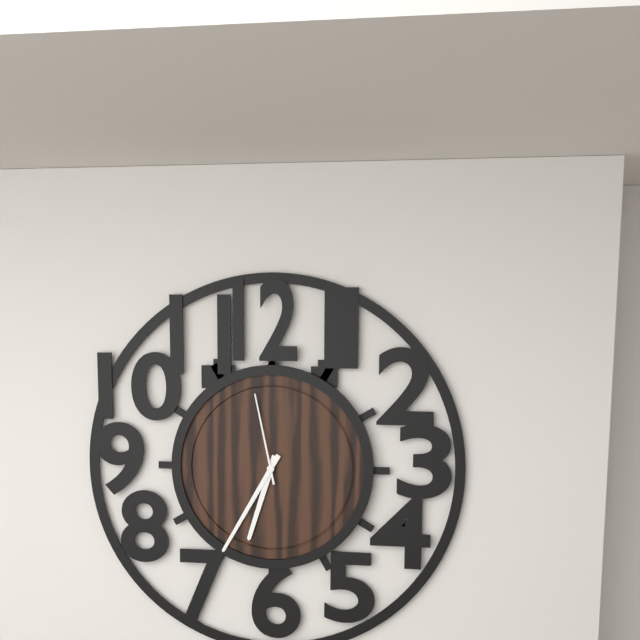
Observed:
6:35:58
